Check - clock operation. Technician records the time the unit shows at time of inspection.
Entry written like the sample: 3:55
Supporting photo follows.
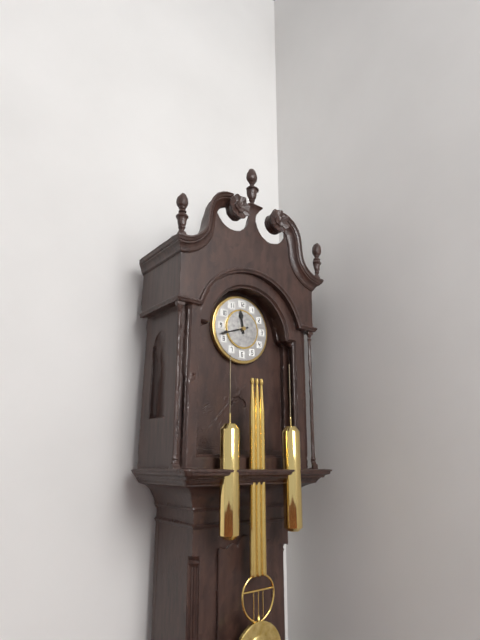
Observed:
11:42
